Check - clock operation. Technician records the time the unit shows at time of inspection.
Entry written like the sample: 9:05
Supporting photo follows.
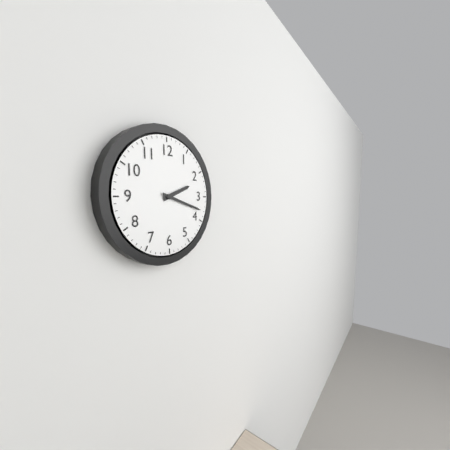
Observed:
2:18
